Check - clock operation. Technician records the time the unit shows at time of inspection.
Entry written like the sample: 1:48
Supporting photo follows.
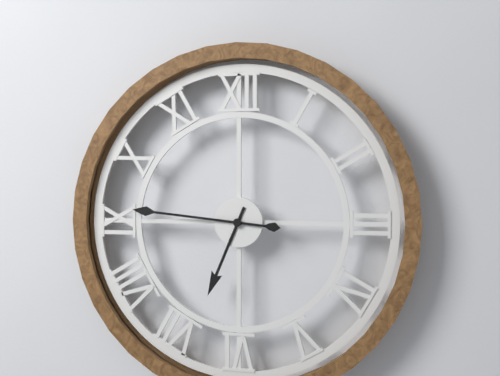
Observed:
6:46
